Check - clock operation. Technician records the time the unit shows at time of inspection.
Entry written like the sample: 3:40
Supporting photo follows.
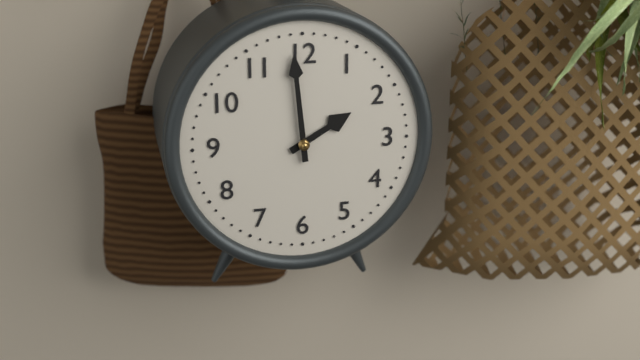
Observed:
1:59
